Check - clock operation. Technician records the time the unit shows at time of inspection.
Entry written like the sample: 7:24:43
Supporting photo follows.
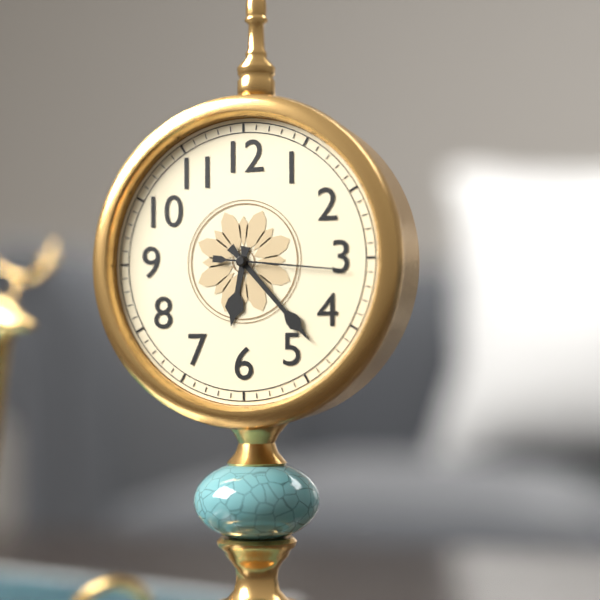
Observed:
6:23:16
